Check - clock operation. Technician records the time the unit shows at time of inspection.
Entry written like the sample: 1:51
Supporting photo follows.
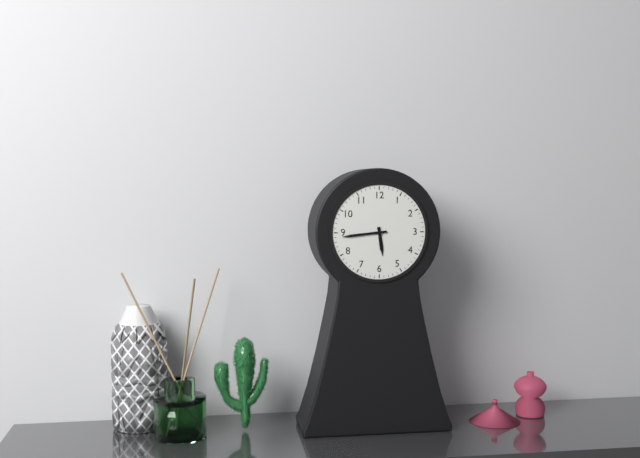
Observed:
5:44
